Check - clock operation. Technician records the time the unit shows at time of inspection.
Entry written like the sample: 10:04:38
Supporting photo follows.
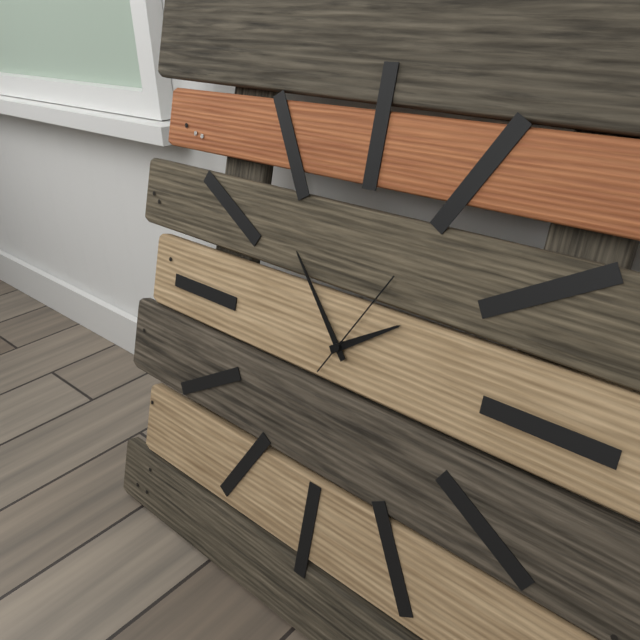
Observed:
1:53:05
